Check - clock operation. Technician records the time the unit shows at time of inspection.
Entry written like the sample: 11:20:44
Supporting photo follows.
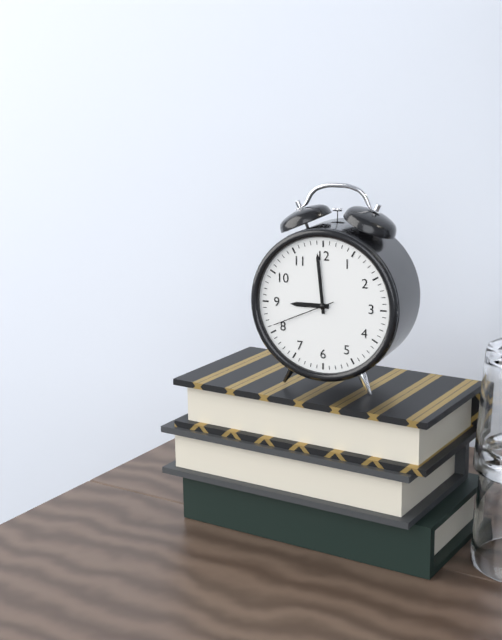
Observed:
8:59:41
